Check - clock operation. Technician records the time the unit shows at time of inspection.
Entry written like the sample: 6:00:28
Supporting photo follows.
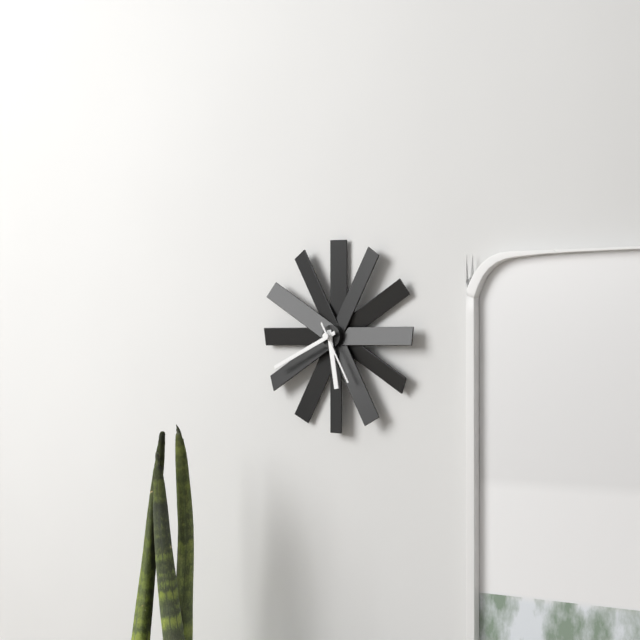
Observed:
5:41:25
